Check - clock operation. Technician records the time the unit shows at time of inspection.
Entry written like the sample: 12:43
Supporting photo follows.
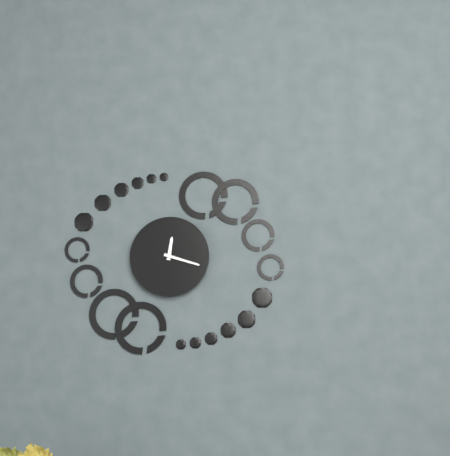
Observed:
12:18
